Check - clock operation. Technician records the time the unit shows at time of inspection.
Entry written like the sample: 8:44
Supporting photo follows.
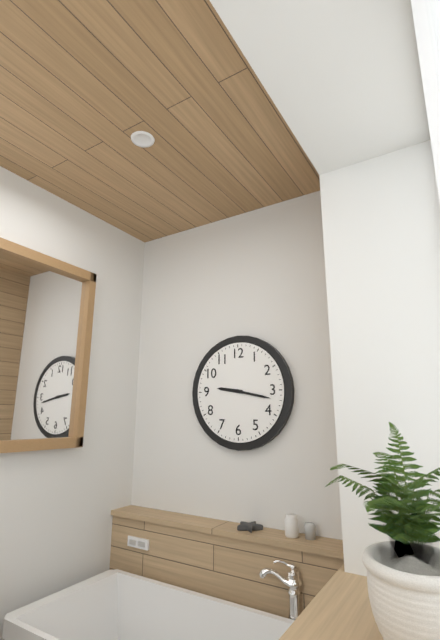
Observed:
9:17
